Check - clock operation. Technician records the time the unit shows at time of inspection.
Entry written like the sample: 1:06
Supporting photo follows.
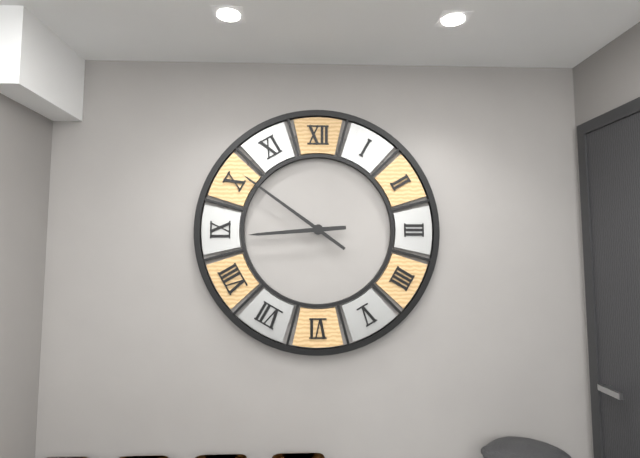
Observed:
8:51
